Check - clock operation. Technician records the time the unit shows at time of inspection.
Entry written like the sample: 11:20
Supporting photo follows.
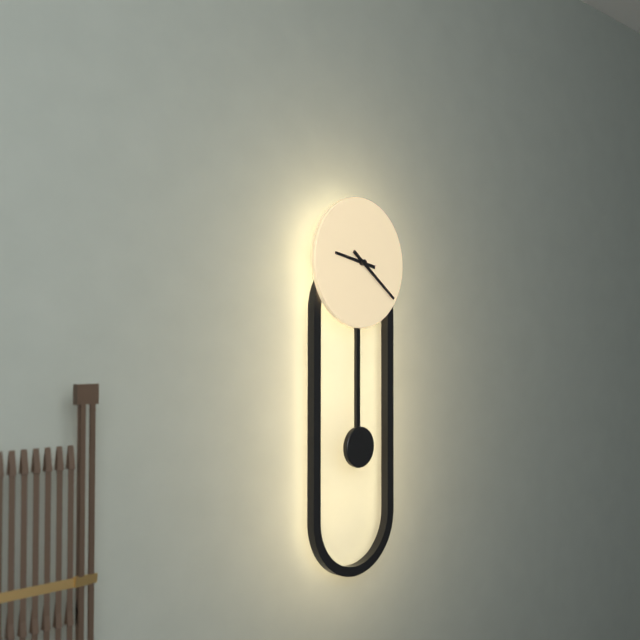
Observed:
9:21
